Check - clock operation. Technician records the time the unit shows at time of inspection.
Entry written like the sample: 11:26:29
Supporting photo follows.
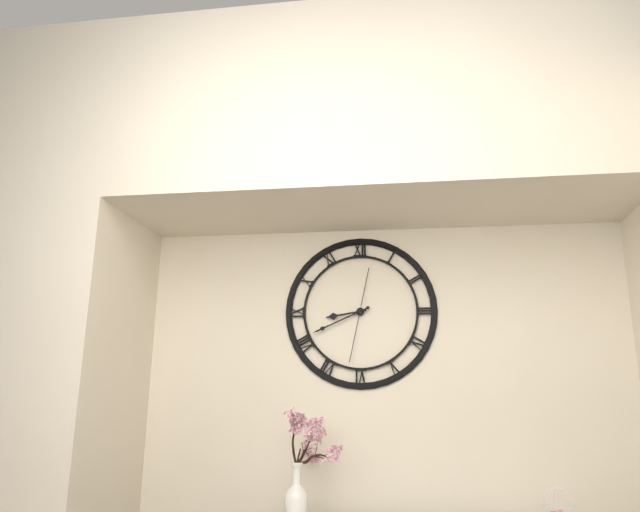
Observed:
8:41:32
